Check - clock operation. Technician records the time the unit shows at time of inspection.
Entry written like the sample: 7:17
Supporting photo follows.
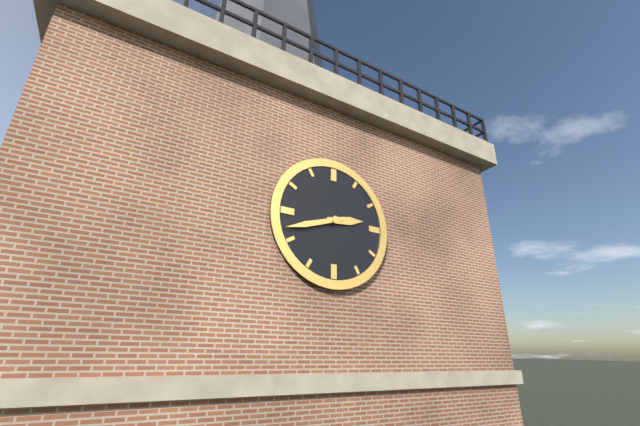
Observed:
2:42
